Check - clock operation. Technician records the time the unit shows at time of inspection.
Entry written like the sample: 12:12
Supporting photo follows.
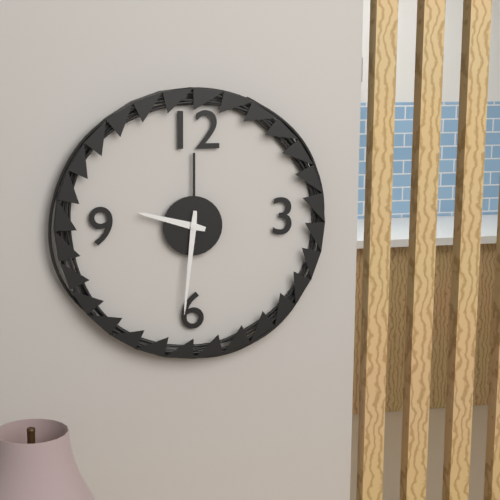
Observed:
9:31
